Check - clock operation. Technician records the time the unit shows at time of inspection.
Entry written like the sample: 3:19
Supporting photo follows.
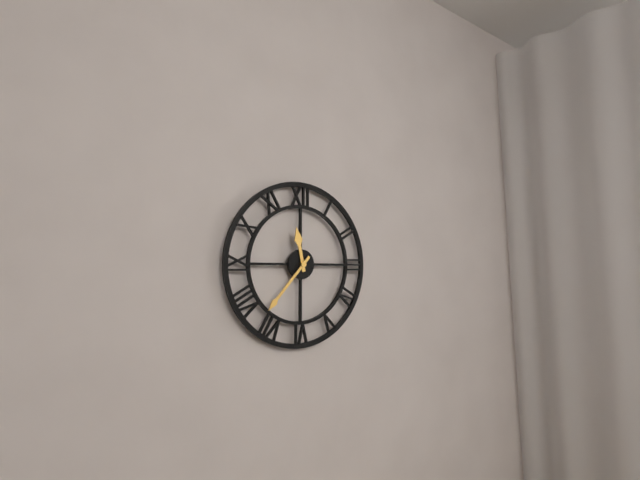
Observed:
11:37
